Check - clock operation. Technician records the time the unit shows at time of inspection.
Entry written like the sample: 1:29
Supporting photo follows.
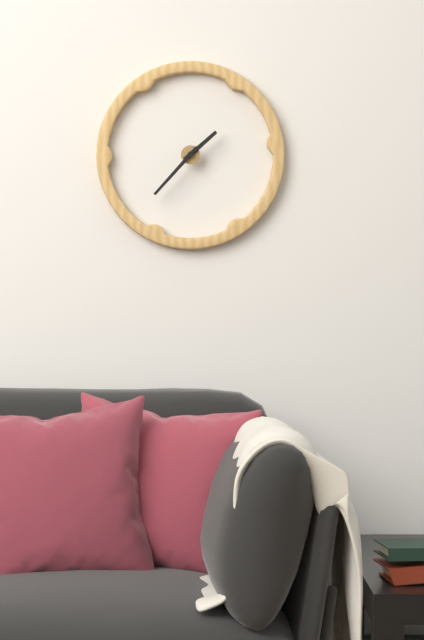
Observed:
1:37
